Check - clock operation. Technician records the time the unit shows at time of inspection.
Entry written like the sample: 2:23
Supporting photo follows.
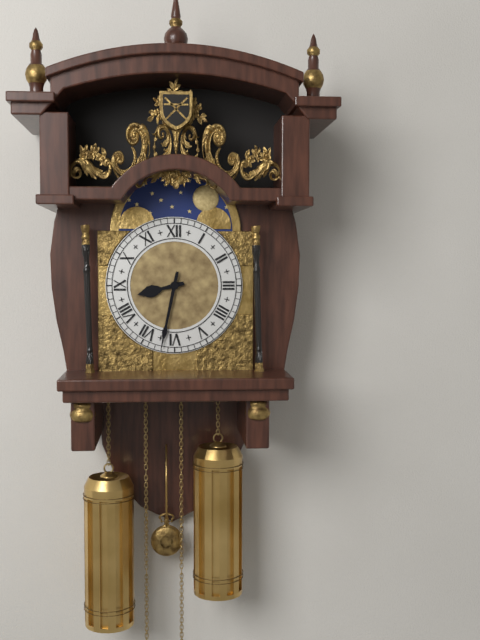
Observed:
8:32
